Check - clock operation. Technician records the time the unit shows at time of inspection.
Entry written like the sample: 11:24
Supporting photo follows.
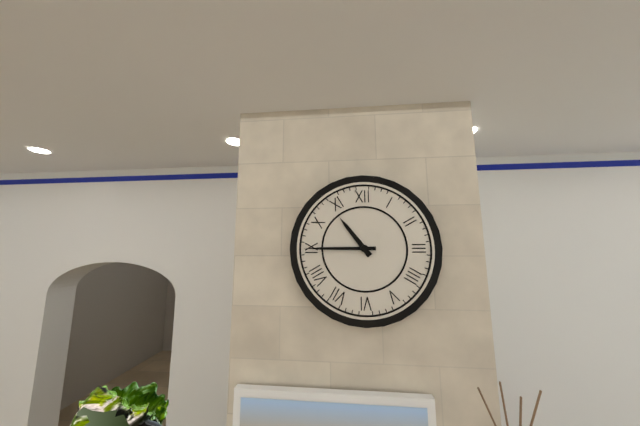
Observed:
10:45
